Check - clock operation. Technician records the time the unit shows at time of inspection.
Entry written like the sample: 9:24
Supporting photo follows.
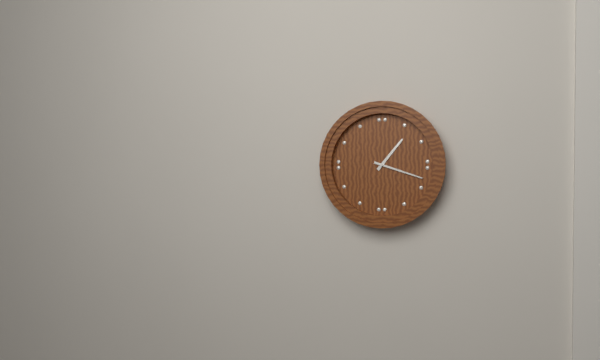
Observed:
1:18
